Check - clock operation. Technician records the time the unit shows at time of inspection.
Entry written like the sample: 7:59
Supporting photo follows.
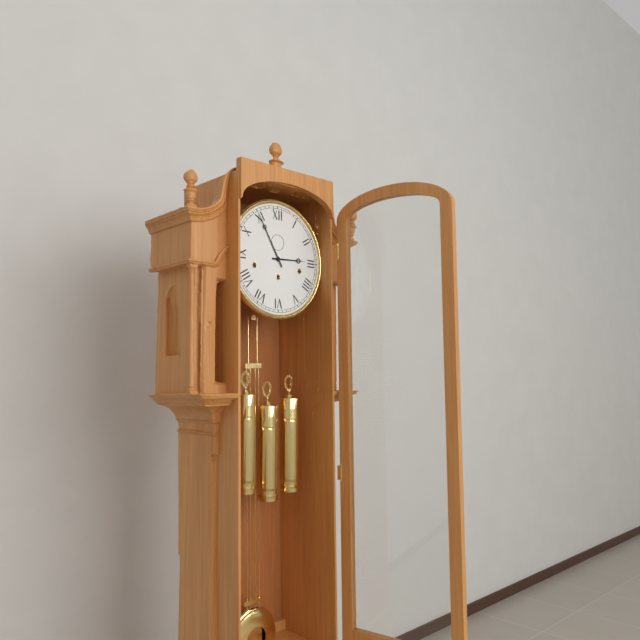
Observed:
2:55
